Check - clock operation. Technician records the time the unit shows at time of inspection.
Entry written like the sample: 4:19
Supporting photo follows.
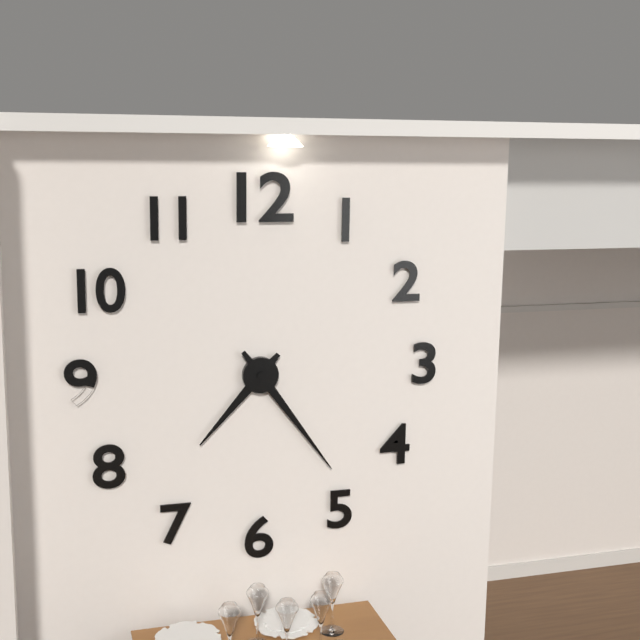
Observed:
7:24
